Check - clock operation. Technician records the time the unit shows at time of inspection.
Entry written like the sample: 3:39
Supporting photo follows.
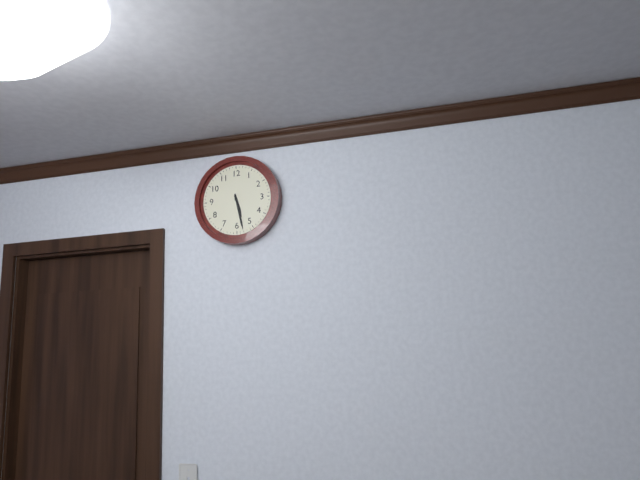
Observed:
5:28
